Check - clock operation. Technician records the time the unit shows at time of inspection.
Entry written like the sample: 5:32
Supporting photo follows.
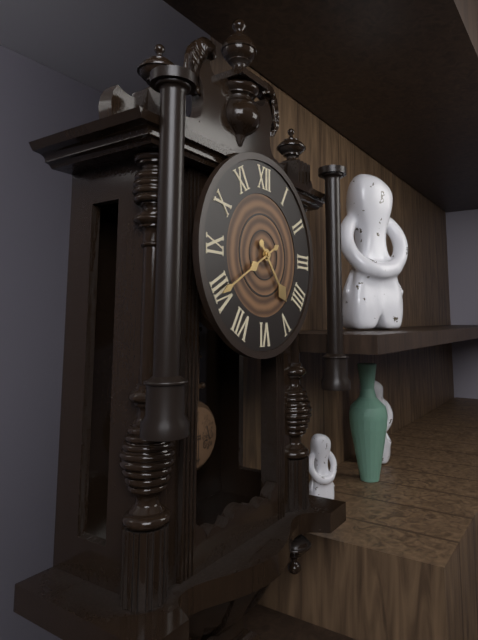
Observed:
4:40
